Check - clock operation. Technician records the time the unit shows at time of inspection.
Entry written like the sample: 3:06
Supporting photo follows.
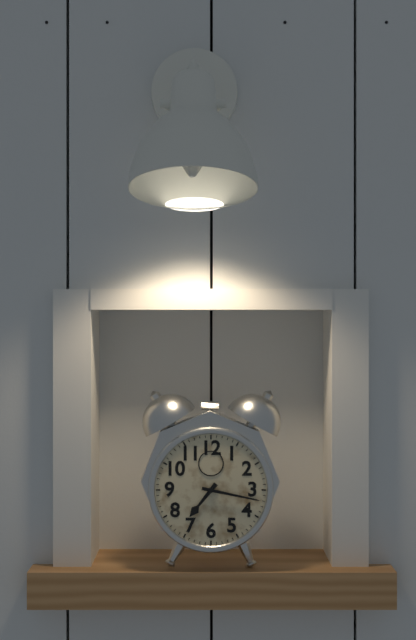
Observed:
7:17
